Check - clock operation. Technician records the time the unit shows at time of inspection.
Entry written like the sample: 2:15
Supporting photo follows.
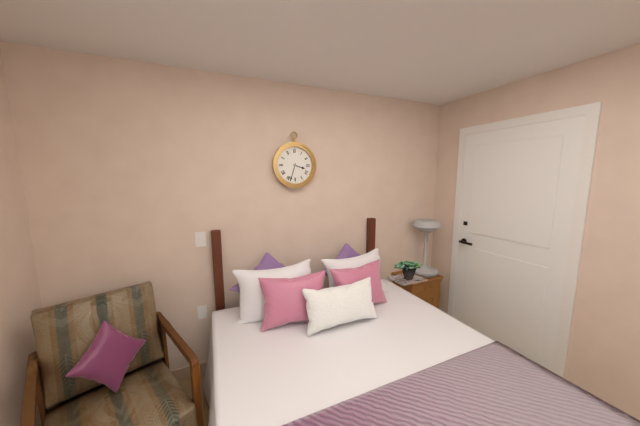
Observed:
3:33
